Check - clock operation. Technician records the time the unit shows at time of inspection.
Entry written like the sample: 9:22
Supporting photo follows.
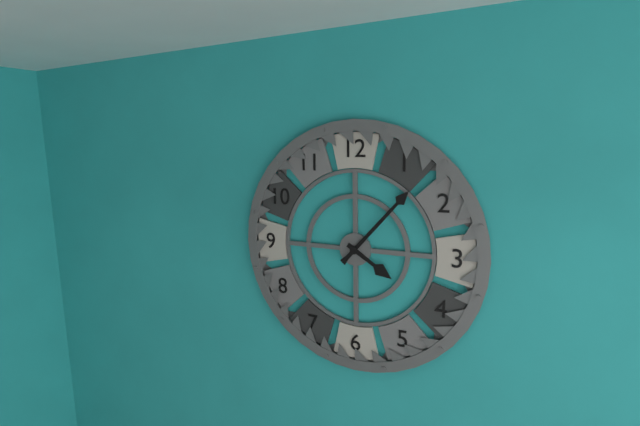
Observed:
4:07
